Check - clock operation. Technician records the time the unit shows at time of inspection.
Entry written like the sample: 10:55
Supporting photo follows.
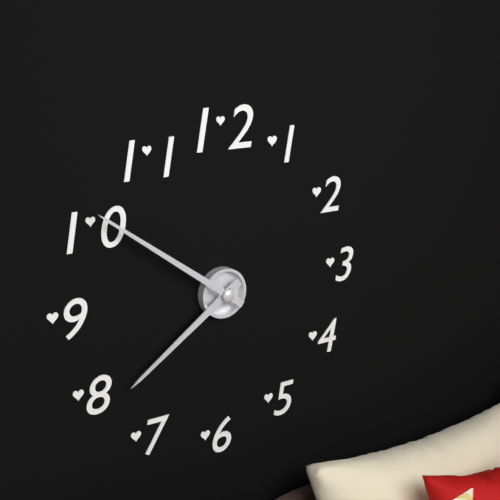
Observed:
7:51
